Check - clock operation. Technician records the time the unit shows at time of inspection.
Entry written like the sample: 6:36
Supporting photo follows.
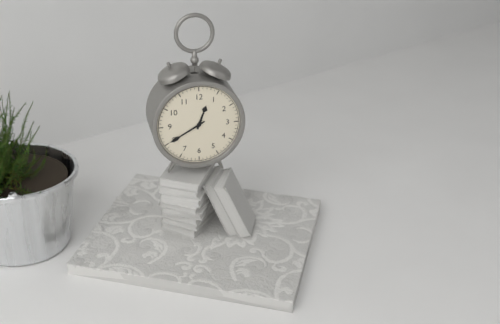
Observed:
12:40
